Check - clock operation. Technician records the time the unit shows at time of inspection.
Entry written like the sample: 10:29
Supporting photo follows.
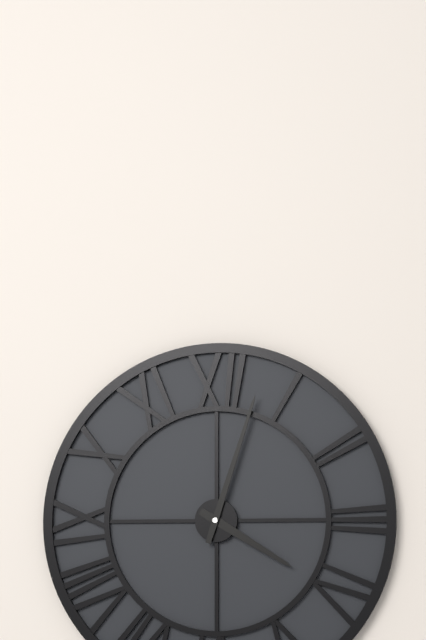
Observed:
4:03
